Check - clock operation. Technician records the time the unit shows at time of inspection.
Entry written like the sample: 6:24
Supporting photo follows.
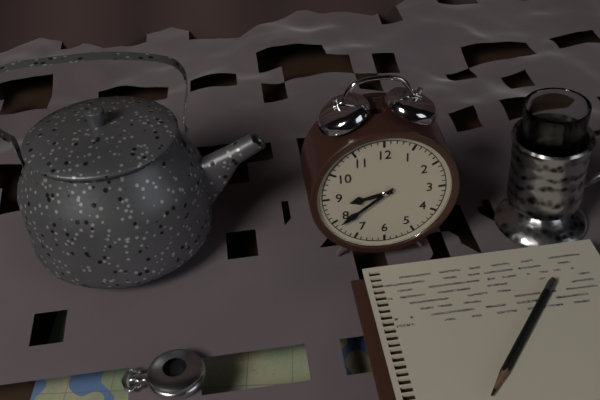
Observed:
8:39
